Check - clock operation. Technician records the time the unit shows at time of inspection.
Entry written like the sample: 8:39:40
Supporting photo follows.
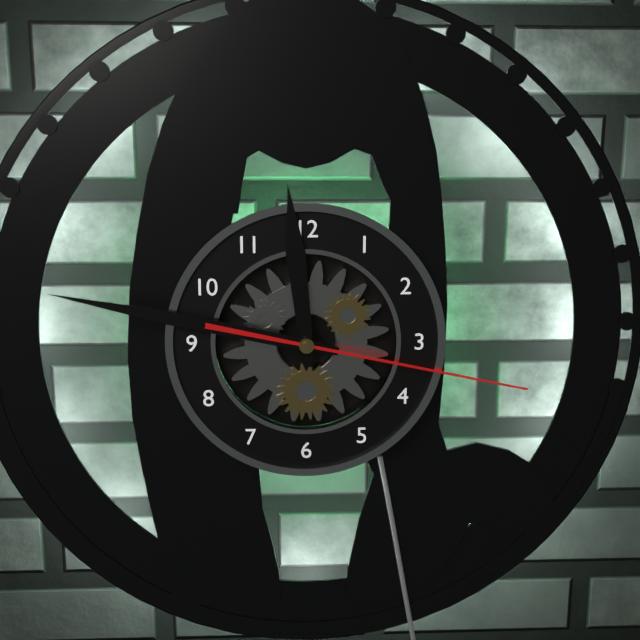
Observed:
11:47:17
